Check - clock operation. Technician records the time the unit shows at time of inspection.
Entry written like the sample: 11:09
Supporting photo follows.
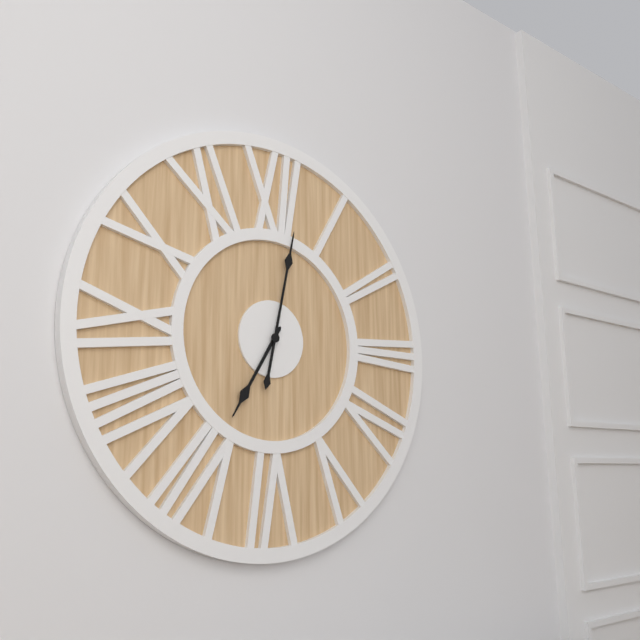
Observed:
7:02
